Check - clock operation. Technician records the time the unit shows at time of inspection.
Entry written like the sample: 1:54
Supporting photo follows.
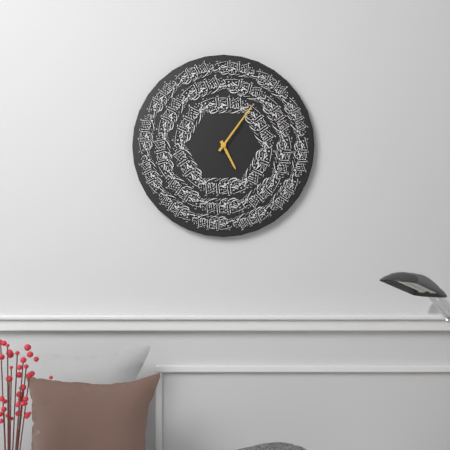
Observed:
5:06
